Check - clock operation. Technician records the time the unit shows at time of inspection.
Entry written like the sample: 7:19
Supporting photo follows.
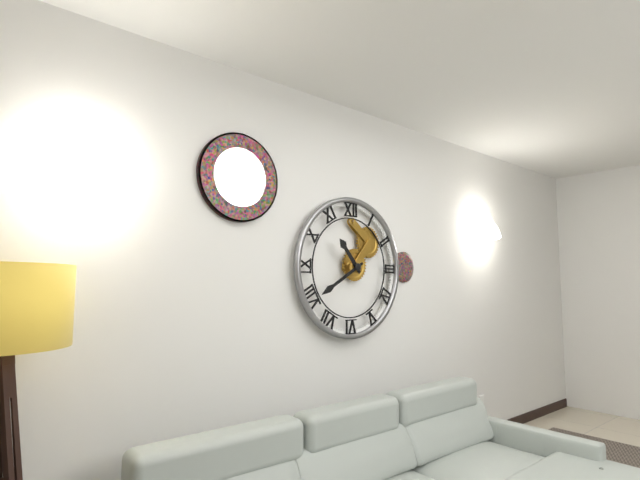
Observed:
10:40
